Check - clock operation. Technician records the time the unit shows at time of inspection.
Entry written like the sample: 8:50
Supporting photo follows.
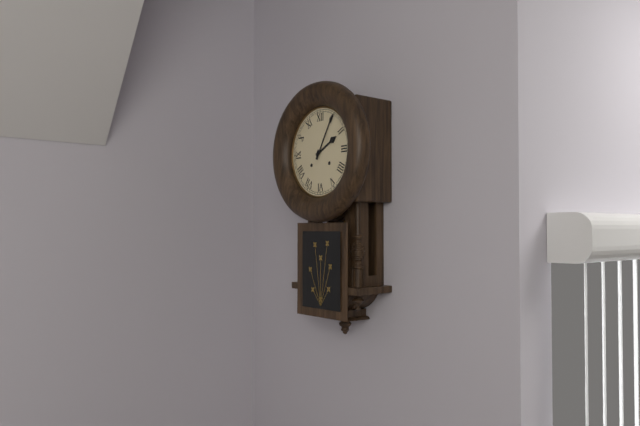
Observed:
2:05
